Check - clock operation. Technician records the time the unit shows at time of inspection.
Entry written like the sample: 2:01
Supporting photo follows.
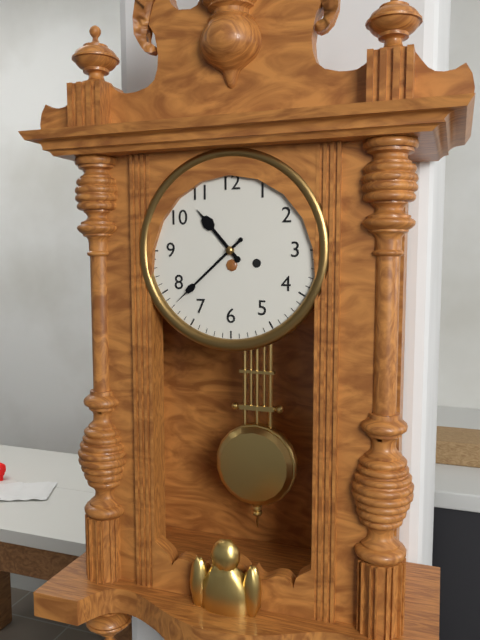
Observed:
10:38
